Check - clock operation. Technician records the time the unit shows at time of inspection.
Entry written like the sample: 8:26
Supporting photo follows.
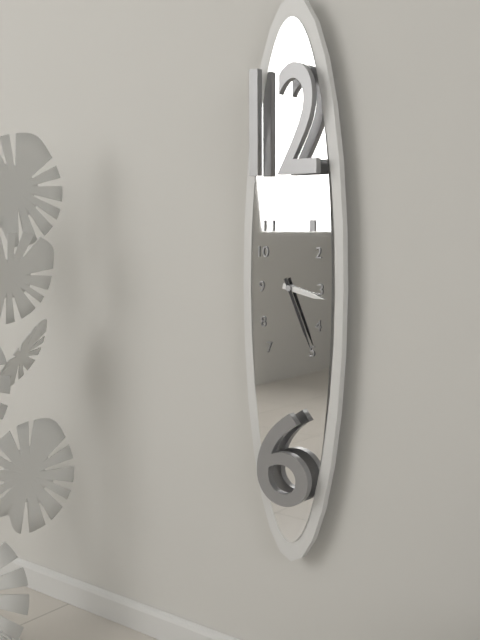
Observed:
3:26
